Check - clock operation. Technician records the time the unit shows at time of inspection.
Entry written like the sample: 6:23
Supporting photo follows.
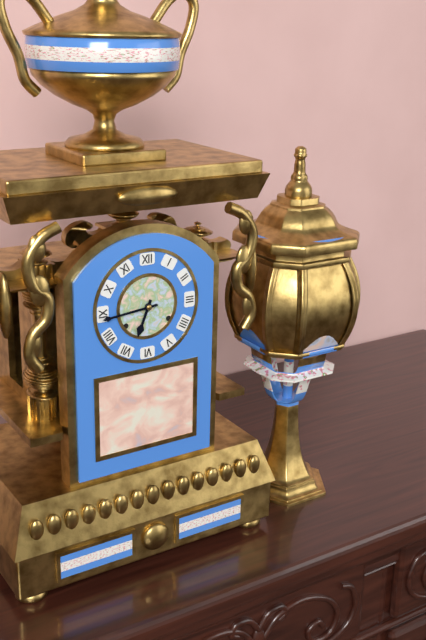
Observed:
6:44
